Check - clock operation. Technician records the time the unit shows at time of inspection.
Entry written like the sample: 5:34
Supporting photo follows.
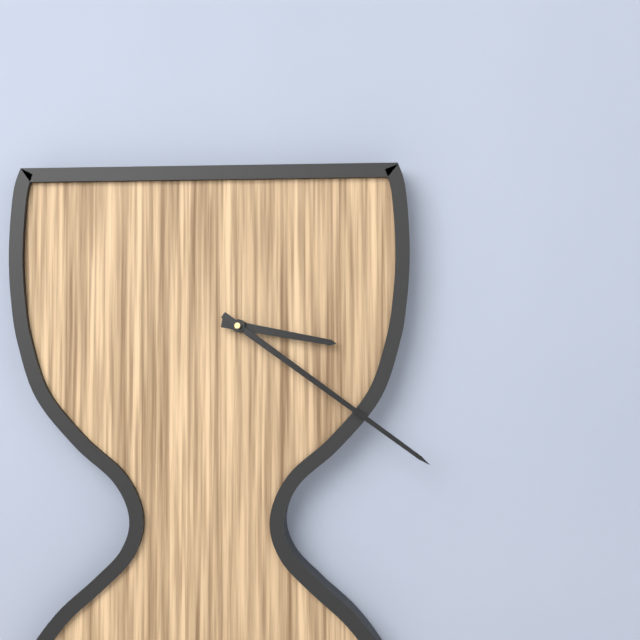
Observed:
3:21
